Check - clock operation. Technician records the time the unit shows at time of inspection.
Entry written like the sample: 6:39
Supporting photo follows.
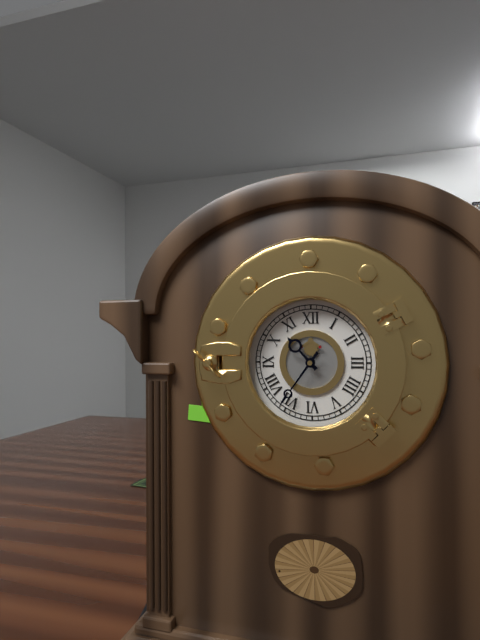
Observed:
10:36
